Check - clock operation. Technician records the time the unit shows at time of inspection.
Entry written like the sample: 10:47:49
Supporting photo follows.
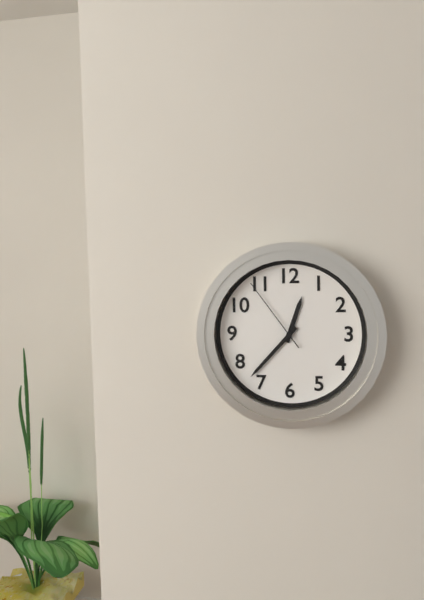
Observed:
12:37:54
